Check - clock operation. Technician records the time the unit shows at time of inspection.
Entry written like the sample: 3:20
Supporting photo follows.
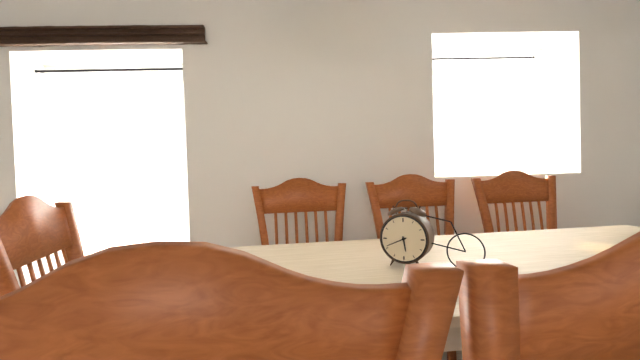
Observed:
5:41
